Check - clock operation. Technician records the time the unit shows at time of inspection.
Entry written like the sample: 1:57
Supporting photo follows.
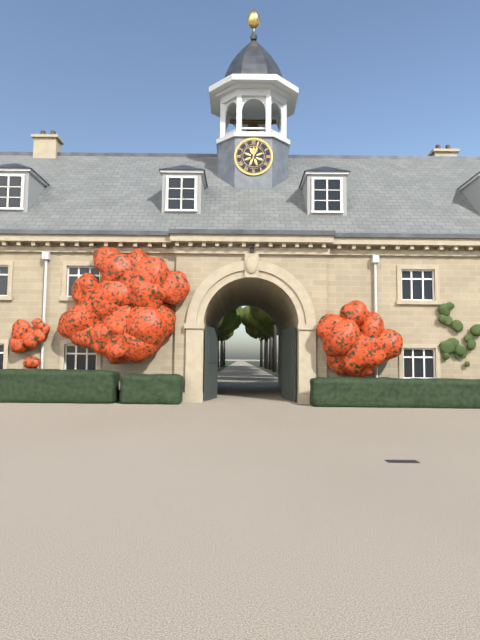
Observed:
12:03
